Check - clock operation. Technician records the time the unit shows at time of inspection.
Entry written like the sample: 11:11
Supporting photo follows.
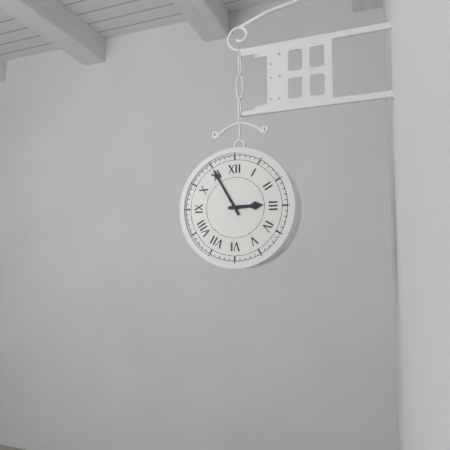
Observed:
2:55
